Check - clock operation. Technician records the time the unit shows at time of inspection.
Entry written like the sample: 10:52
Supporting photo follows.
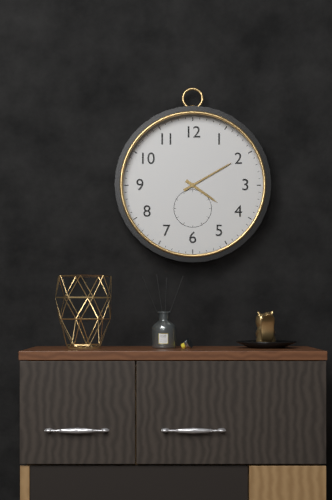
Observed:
4:10
